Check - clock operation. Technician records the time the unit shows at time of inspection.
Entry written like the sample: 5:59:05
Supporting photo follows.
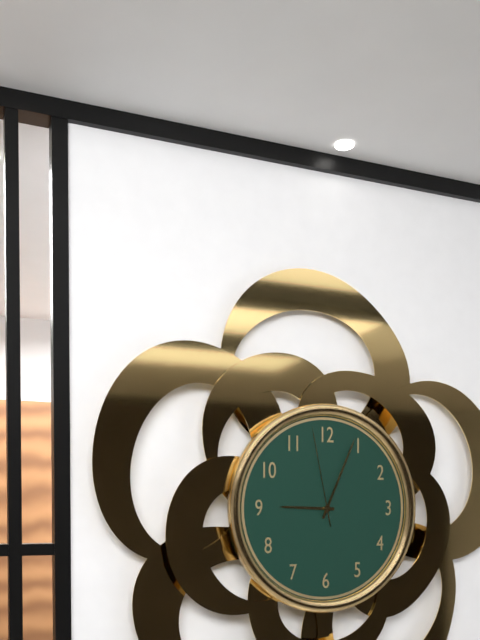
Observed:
9:04:58
